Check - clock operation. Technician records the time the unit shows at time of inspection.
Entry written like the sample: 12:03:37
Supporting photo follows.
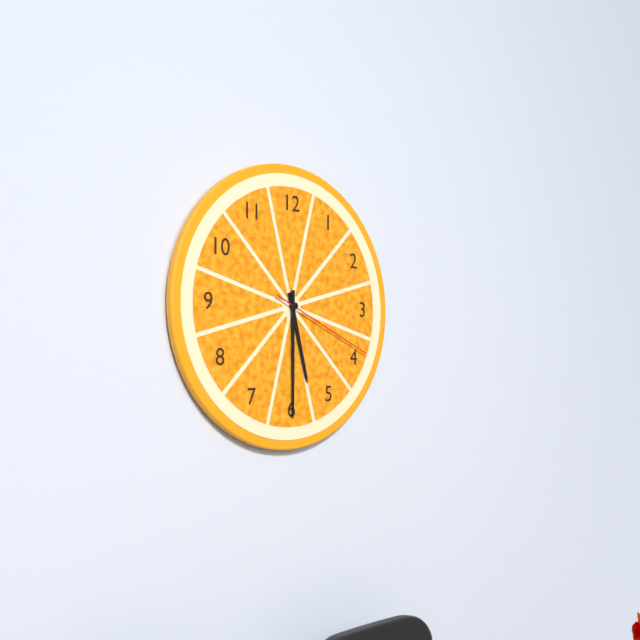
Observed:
5:30:19
